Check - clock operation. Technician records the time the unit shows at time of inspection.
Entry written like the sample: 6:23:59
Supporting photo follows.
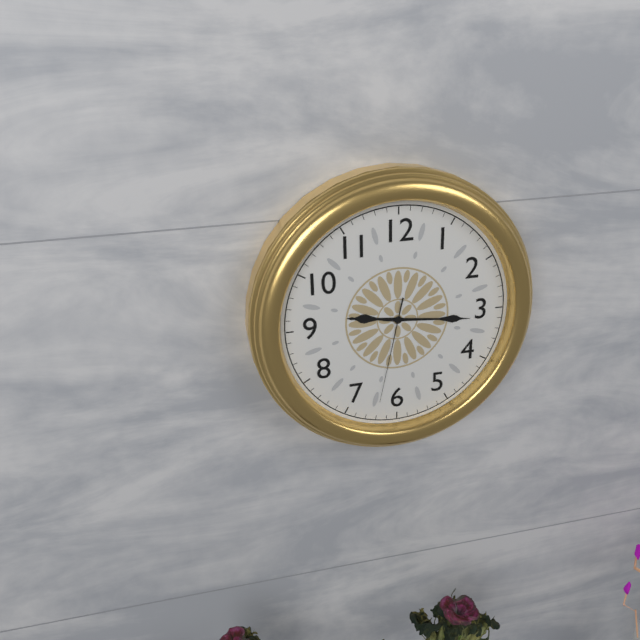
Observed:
9:16:32
